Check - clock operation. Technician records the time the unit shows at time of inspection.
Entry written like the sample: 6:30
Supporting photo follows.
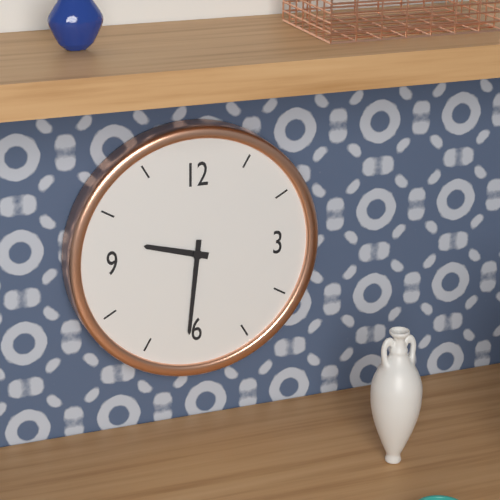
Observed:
9:31
